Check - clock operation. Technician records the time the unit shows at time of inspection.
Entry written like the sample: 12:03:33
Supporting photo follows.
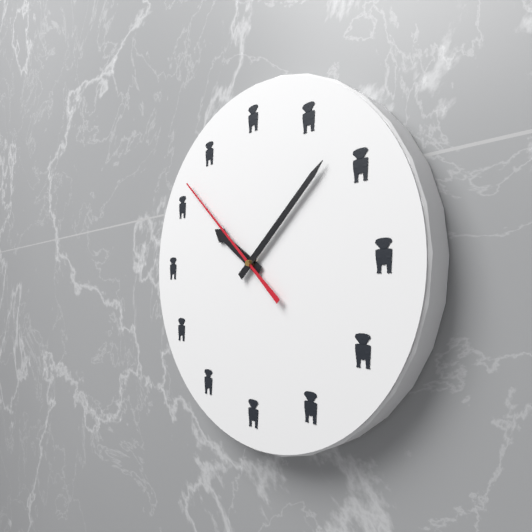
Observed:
10:08:52
